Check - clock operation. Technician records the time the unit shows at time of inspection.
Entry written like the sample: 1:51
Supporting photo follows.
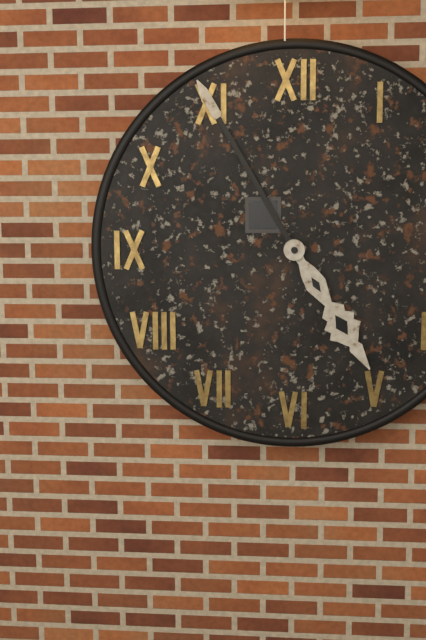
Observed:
4:55
